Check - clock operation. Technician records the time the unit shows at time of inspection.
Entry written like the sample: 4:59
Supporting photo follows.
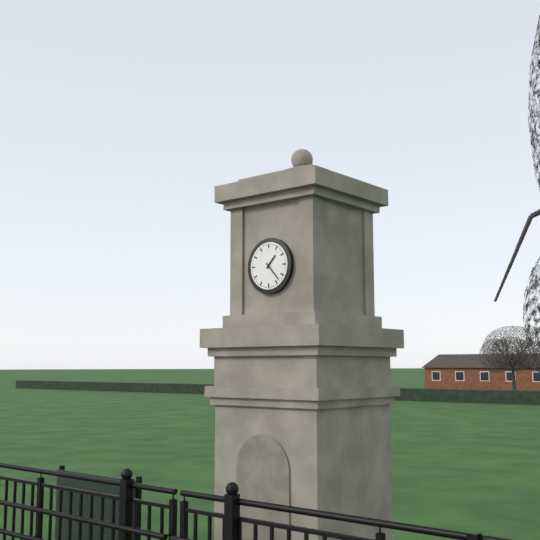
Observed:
1:23
